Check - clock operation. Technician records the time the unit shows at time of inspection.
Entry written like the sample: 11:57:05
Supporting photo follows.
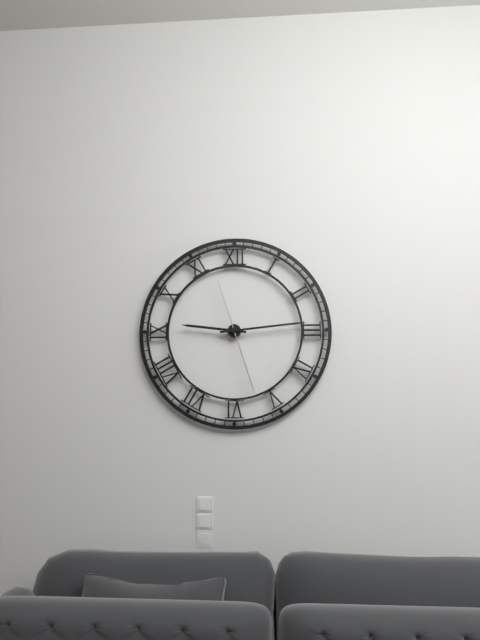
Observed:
9:14:27
